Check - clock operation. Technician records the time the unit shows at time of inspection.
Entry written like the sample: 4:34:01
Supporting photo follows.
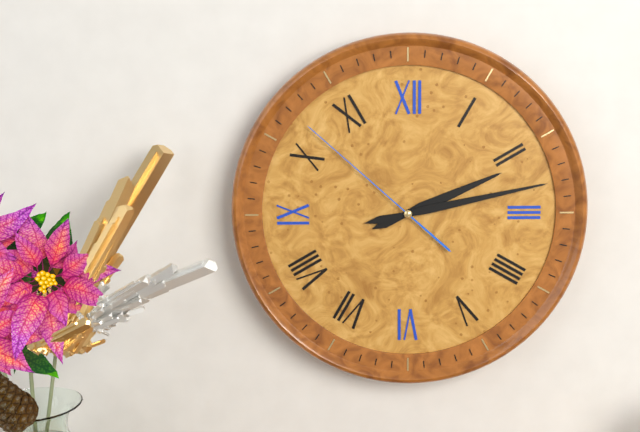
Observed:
2:13:52
